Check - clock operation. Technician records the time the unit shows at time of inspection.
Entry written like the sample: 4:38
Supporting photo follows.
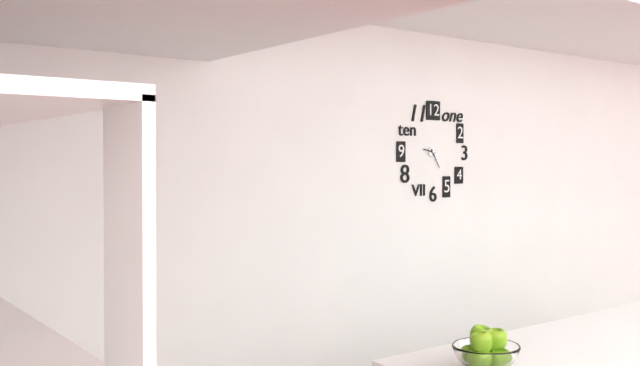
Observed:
9:25
